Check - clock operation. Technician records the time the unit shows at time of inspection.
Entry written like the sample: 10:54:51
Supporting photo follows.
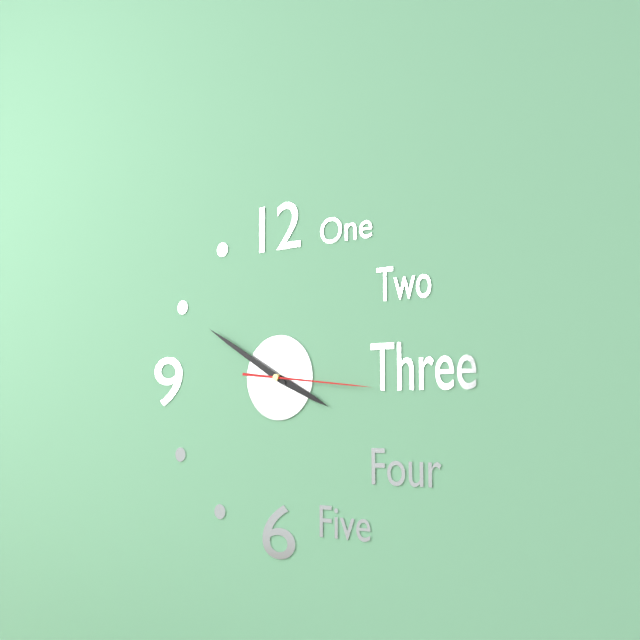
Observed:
3:50:16
